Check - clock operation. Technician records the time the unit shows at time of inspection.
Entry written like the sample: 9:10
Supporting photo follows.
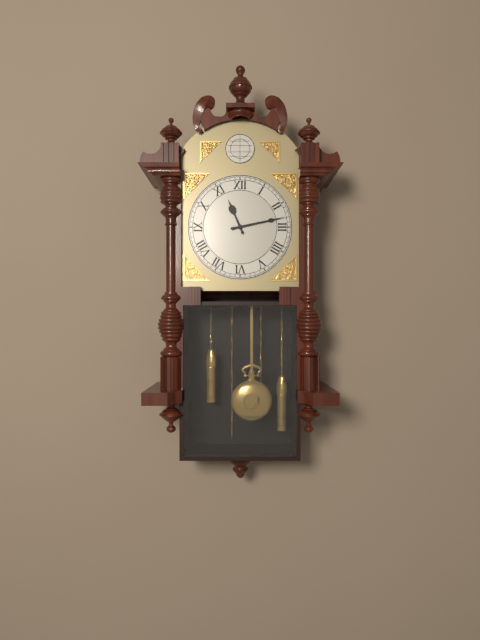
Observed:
11:13
